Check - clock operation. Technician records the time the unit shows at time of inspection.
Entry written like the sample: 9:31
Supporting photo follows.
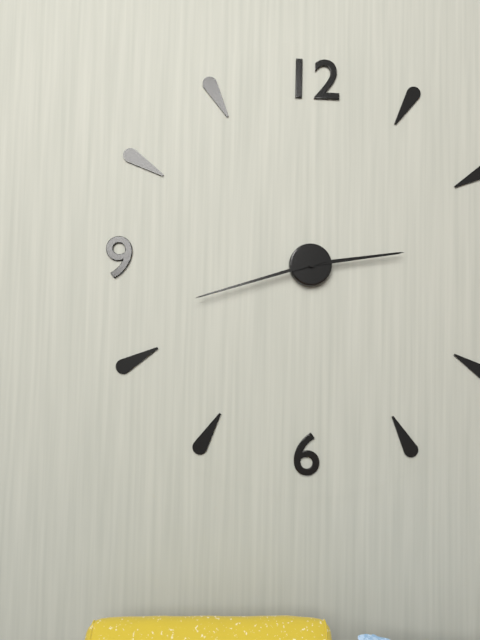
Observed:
2:42
